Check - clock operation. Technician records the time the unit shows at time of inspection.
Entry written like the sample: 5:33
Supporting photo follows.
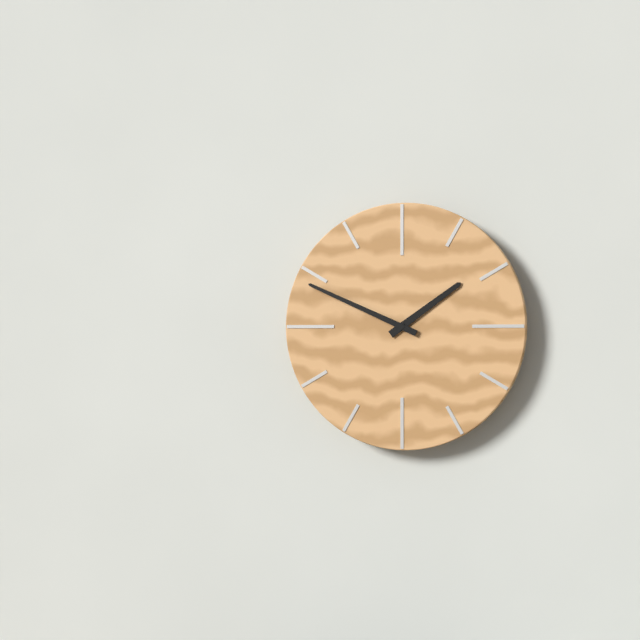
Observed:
1:49
